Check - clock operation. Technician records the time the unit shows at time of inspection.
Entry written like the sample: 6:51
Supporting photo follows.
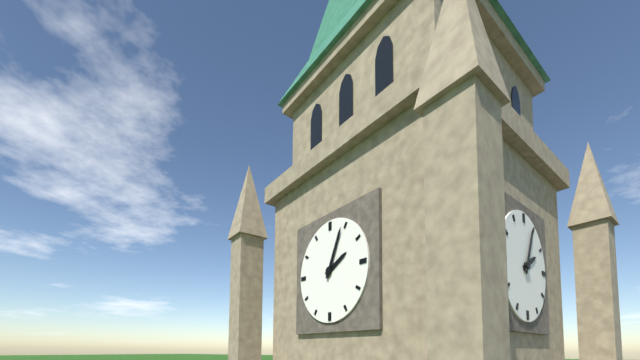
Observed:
2:04
